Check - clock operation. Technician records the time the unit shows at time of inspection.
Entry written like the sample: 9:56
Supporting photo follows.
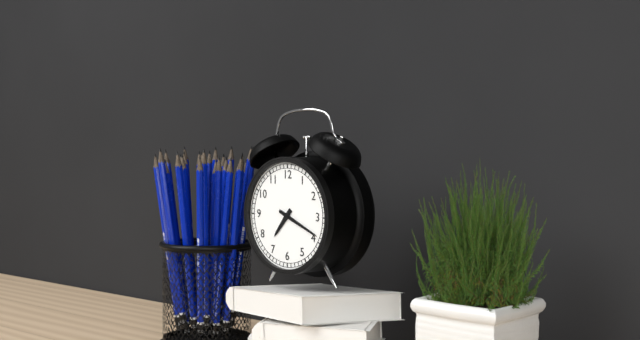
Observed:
7:19
